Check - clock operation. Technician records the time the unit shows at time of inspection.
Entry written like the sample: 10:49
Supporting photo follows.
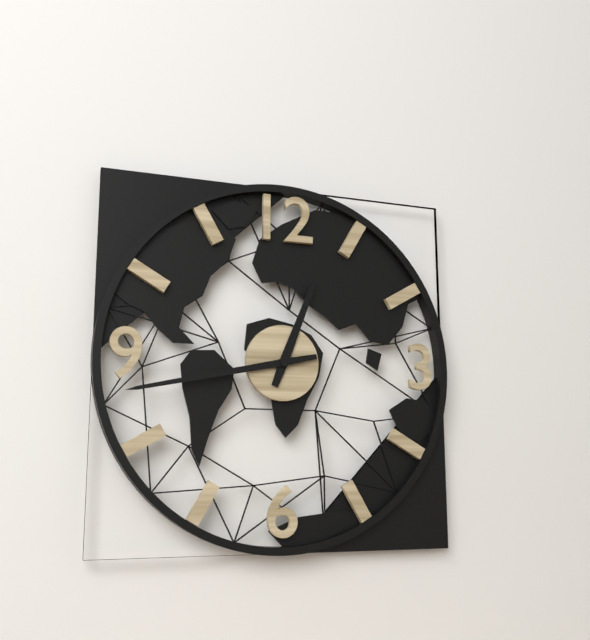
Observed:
12:43
